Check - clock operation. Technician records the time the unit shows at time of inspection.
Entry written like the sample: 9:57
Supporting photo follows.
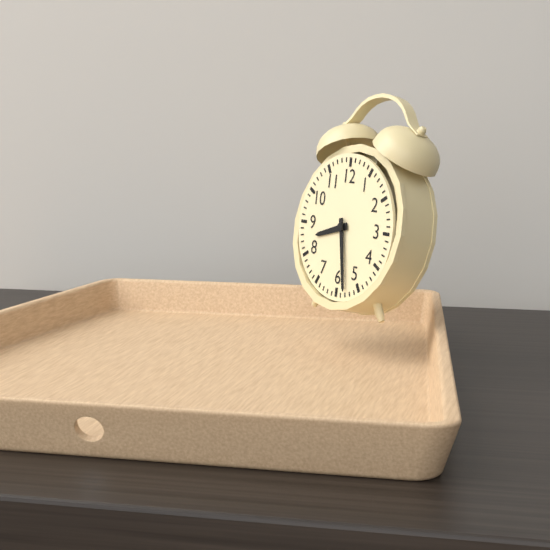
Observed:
8:28
